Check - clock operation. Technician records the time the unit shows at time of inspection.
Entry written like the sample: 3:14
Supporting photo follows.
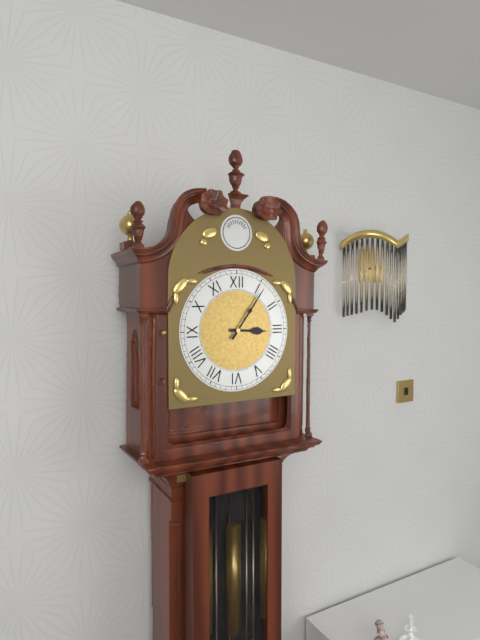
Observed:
3:06
